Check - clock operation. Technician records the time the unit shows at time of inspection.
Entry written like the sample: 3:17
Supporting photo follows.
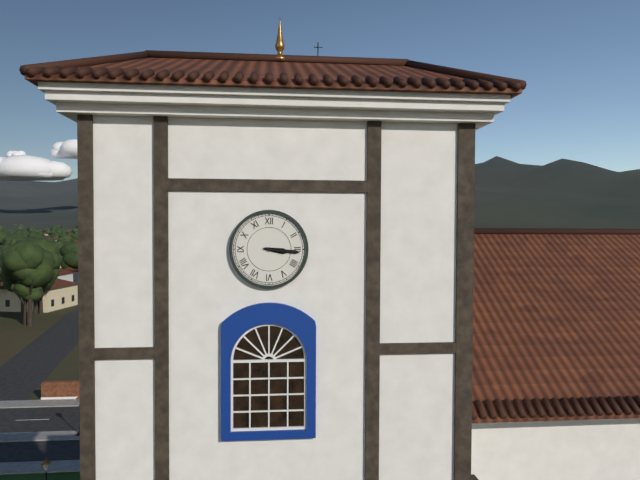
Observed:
3:16
